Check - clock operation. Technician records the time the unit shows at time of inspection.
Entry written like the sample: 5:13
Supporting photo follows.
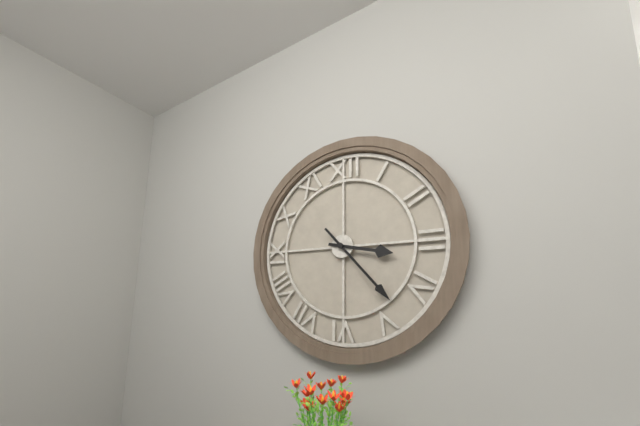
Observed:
3:23
